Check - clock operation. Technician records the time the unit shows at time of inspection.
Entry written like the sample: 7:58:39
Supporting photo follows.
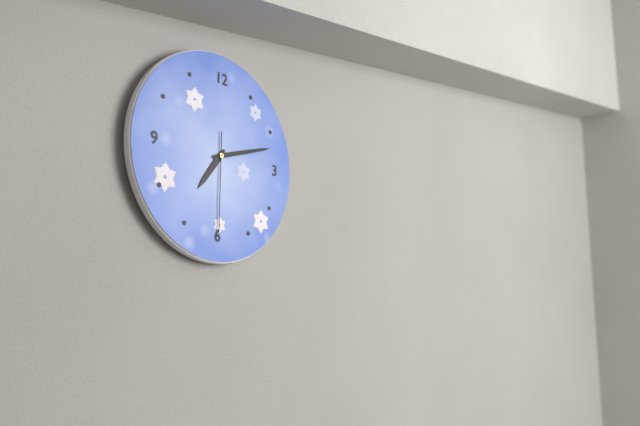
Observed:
7:12:30
